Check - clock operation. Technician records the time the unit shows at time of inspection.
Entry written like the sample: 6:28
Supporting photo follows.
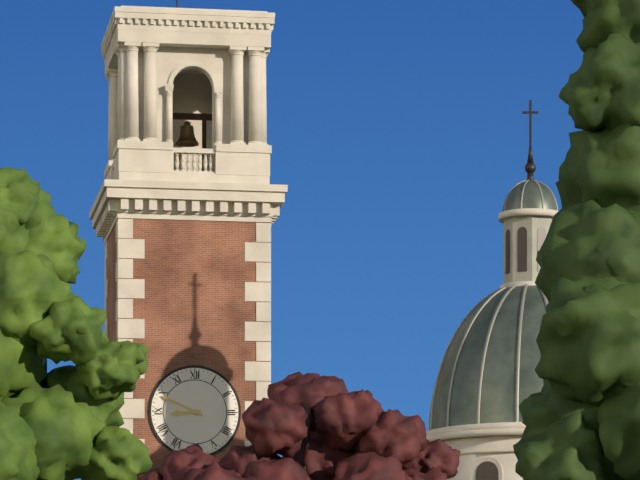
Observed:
8:49
